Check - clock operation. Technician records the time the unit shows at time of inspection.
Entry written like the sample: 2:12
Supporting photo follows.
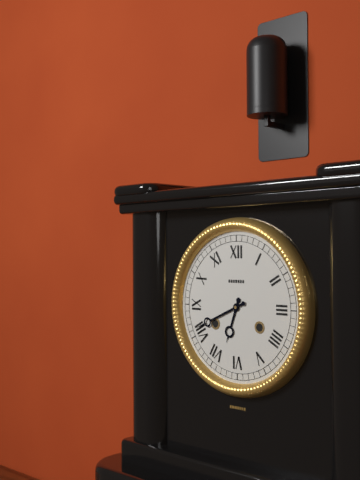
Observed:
6:41
